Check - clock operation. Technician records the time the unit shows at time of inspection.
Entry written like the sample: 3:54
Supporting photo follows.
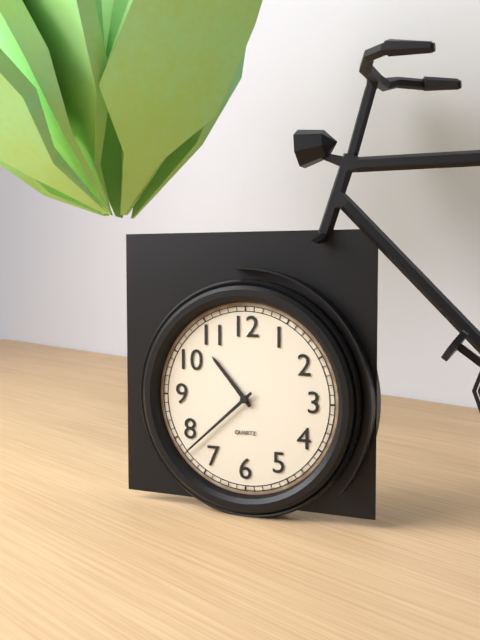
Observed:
10:38
